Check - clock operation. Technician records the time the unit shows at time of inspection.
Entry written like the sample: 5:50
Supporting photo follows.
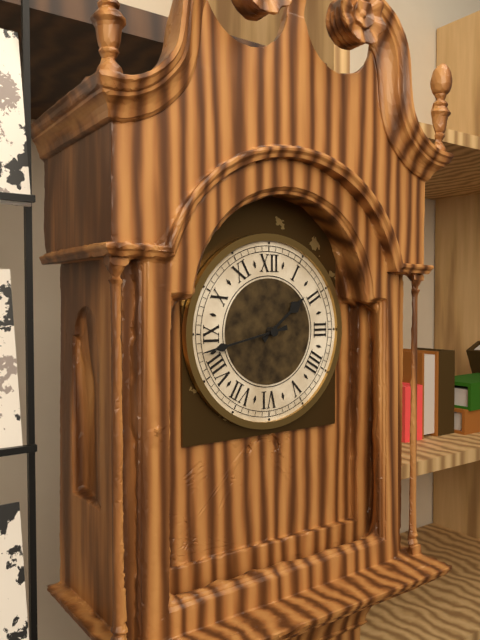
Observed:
1:43
